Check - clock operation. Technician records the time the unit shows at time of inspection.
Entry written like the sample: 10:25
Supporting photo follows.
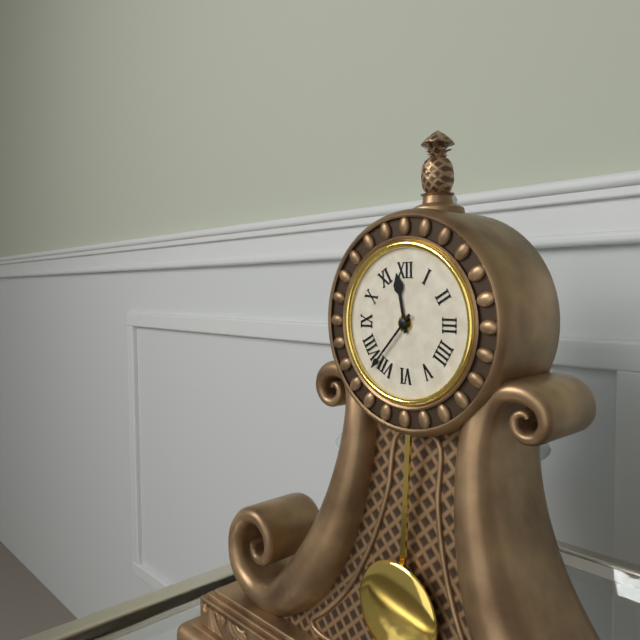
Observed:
11:37
